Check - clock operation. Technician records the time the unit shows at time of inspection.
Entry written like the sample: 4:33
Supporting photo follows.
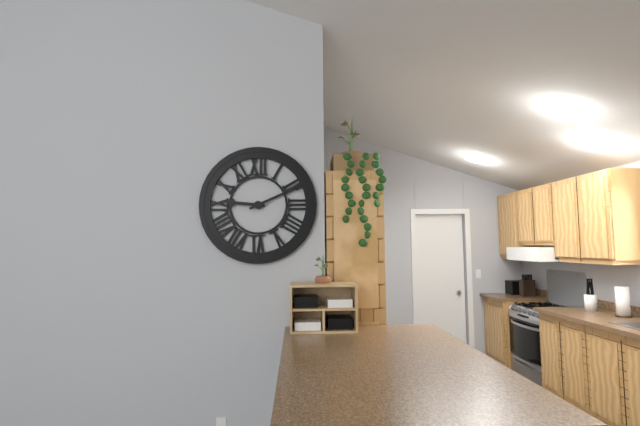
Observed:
9:11
